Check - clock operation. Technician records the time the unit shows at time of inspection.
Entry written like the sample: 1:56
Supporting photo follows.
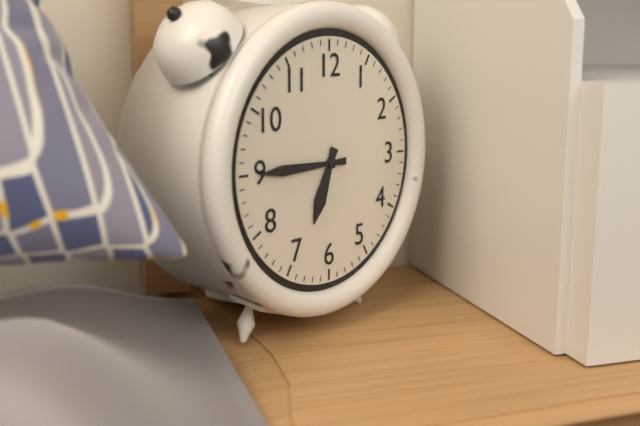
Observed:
6:45
